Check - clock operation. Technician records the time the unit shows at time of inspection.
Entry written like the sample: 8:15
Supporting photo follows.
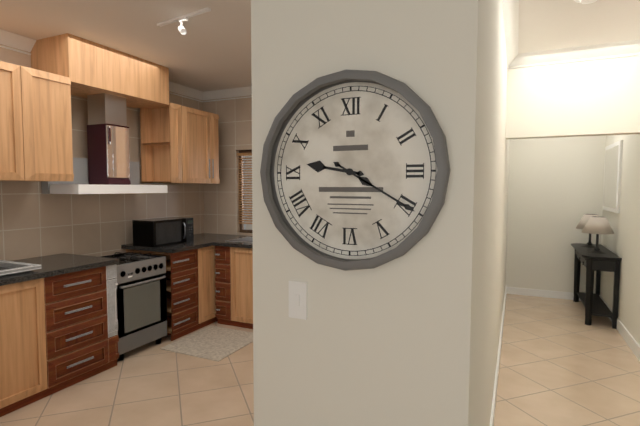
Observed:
9:20
